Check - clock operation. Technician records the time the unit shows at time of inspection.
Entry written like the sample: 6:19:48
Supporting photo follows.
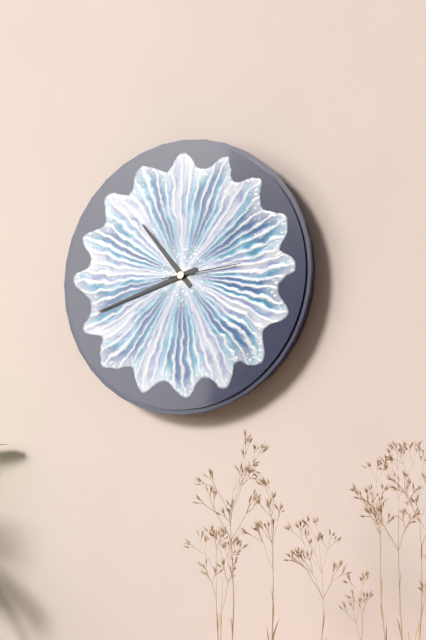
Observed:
10:42:14
